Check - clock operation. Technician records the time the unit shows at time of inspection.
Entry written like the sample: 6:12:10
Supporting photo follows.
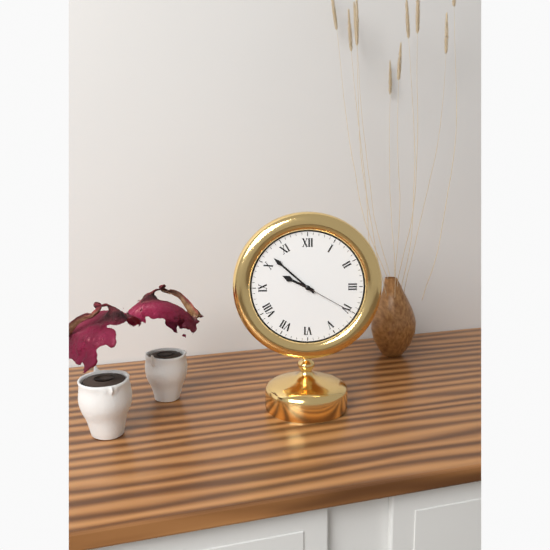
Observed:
9:52:20
